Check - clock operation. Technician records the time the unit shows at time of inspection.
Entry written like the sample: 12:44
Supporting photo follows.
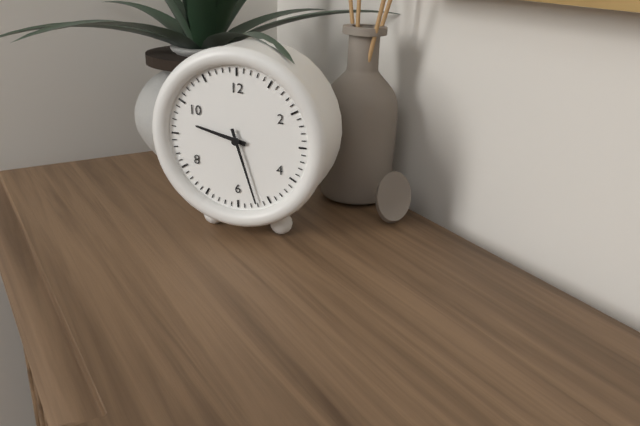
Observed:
9:27
